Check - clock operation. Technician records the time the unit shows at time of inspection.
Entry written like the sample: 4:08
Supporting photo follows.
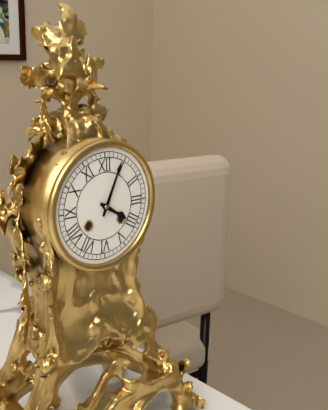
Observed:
4:04
